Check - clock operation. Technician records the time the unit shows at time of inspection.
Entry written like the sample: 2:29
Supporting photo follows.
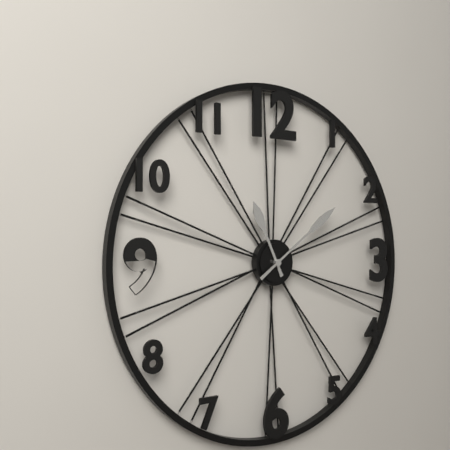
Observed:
11:09
